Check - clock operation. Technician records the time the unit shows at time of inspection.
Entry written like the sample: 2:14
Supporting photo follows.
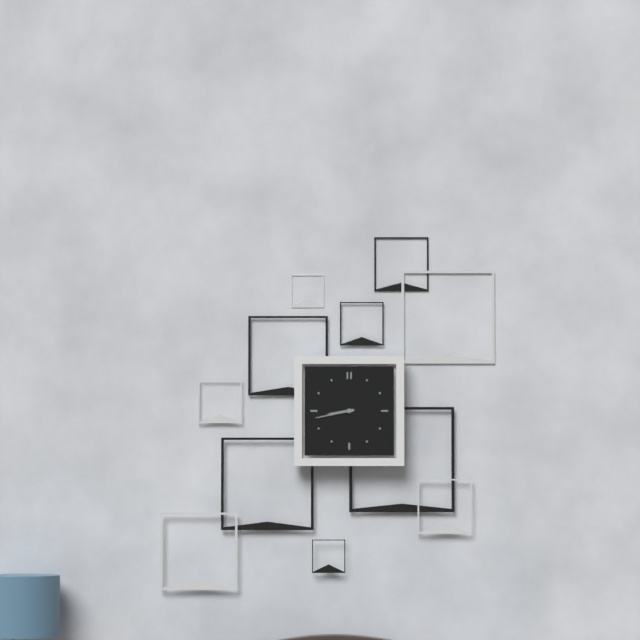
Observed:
8:43
